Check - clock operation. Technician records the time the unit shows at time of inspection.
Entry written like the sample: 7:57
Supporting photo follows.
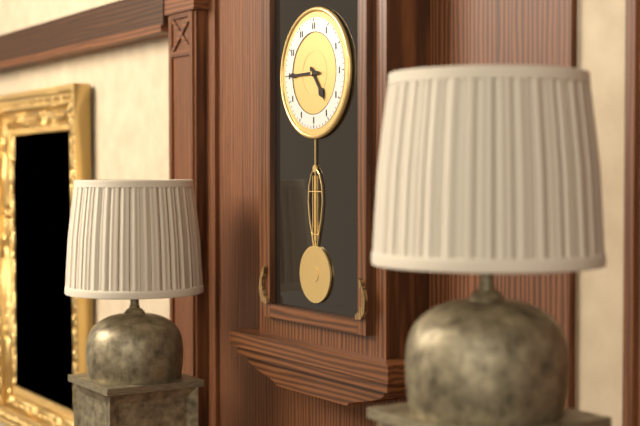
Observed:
4:45
